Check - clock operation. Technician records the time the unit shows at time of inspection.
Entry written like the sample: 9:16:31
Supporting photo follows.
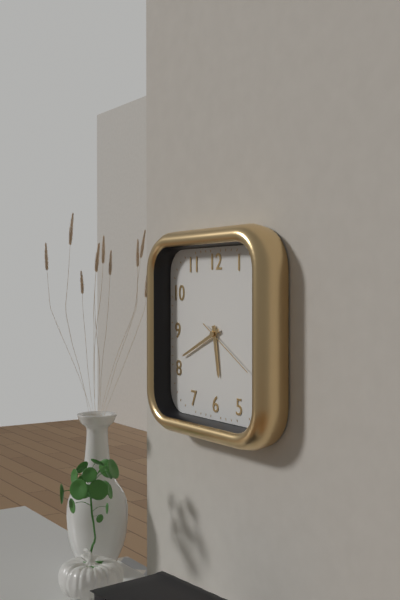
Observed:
5:41:20
